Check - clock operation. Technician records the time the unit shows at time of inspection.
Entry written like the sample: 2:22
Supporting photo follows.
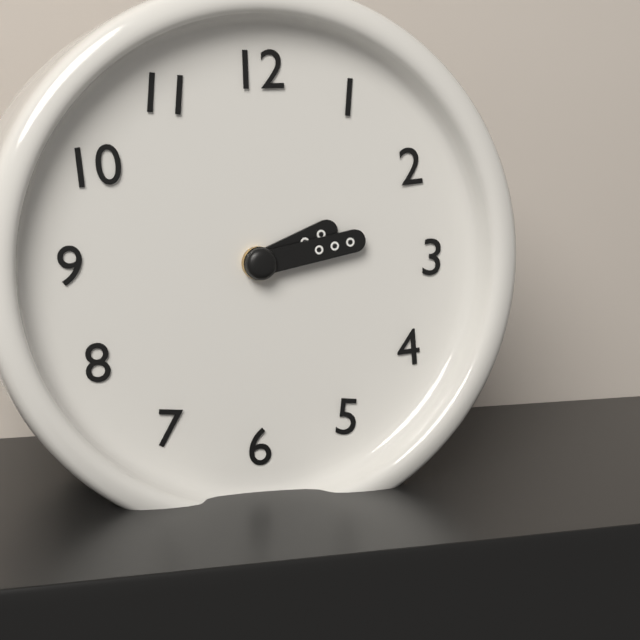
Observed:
2:13
